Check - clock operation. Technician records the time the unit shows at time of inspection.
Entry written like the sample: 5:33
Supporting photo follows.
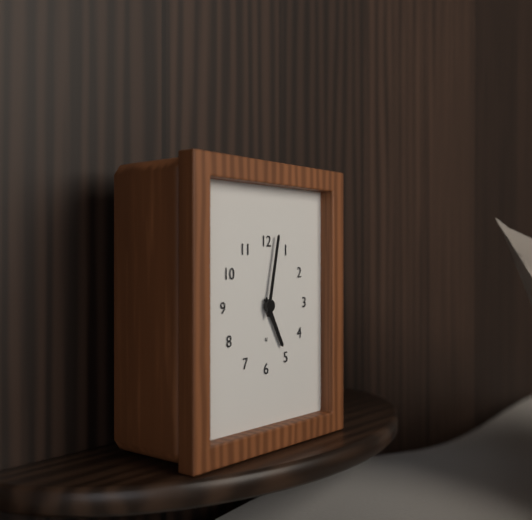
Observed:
5:02
